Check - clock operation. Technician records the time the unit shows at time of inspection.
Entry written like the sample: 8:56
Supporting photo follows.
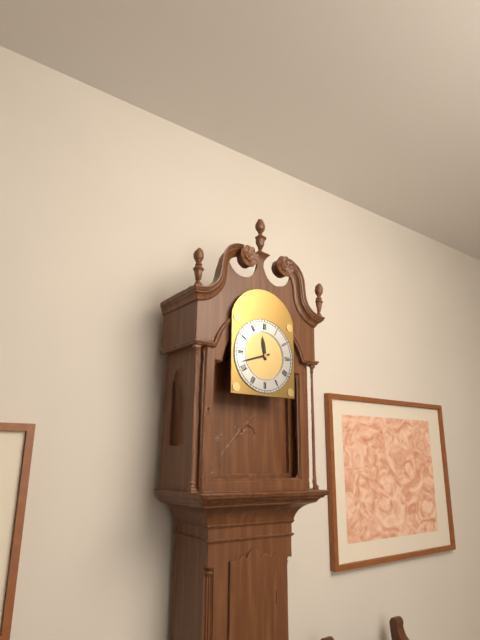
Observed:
11:42
